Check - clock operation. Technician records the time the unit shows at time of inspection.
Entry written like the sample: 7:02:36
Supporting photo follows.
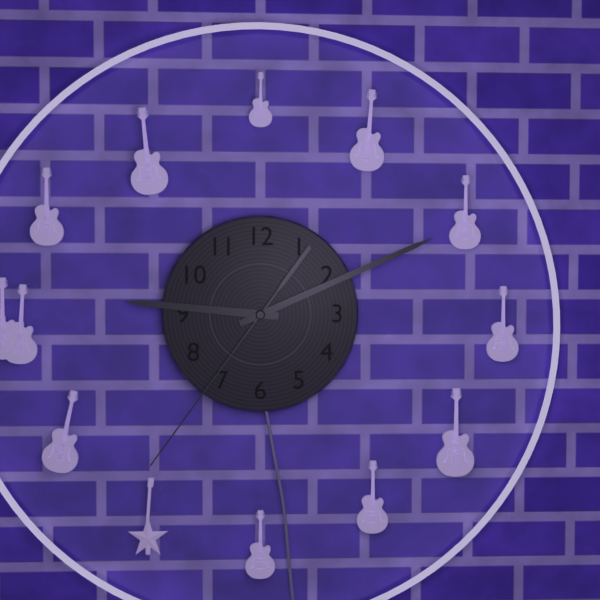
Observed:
9:11:36
